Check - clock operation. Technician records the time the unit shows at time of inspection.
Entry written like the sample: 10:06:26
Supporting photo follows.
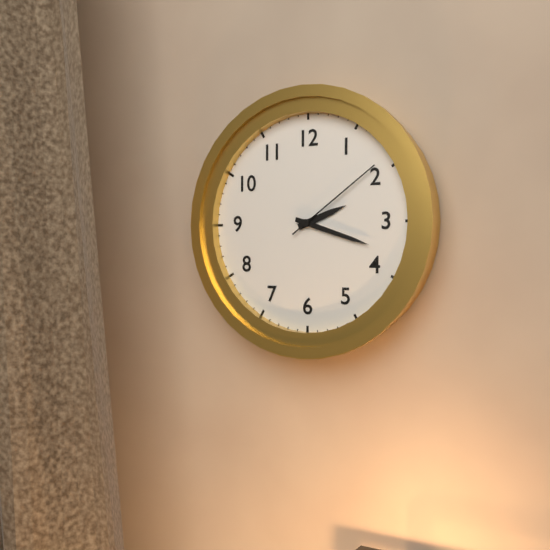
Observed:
2:18:09
